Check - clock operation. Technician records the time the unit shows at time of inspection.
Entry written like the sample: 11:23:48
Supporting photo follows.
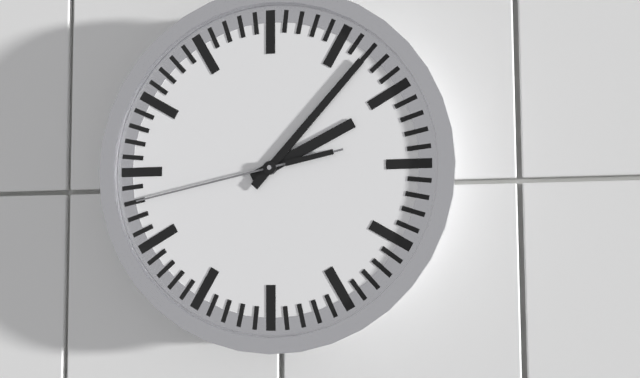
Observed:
2:07:43
